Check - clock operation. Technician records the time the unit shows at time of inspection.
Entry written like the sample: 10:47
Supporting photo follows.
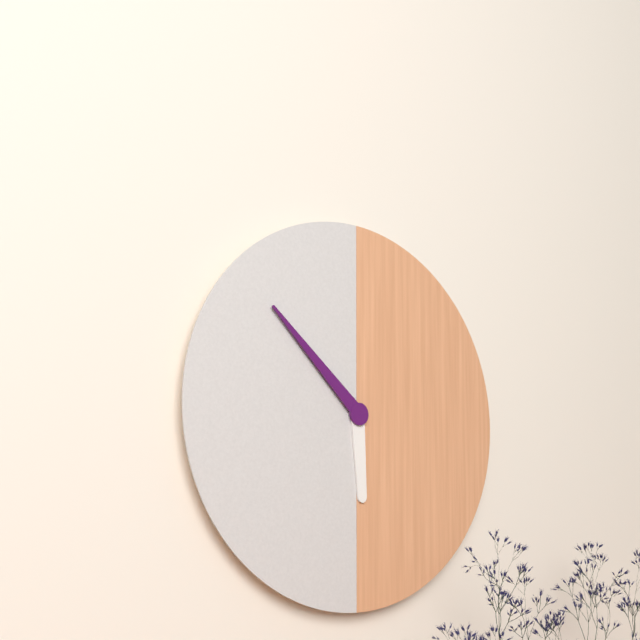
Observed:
5:52
